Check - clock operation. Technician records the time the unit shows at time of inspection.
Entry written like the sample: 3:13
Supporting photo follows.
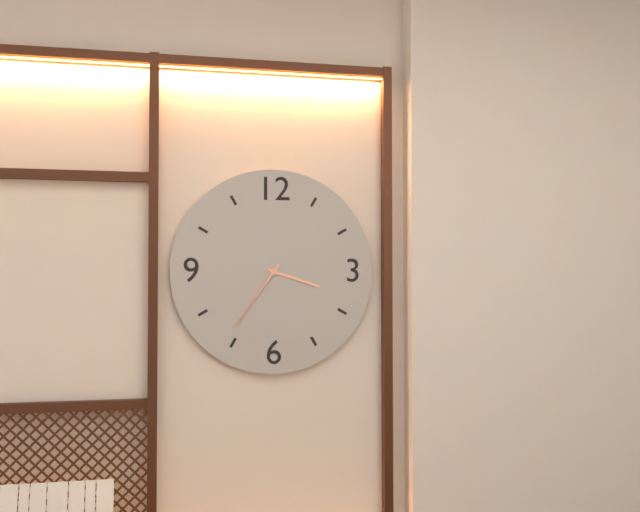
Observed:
3:36
